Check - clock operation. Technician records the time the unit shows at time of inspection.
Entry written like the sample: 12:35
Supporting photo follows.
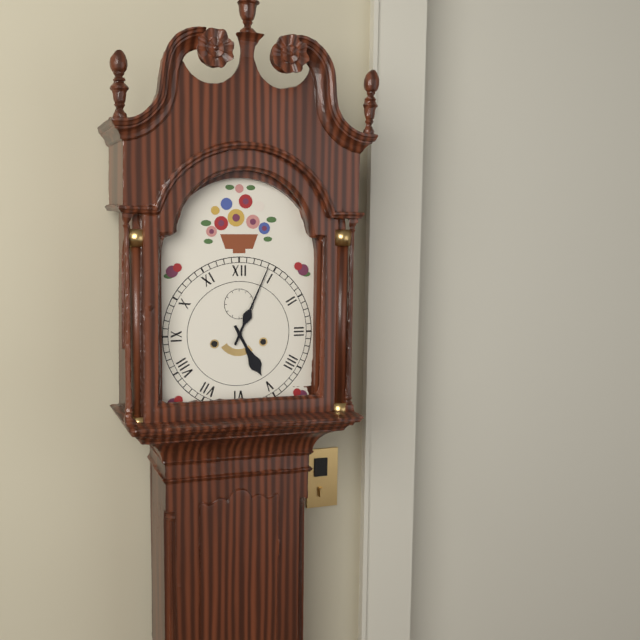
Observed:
5:04
